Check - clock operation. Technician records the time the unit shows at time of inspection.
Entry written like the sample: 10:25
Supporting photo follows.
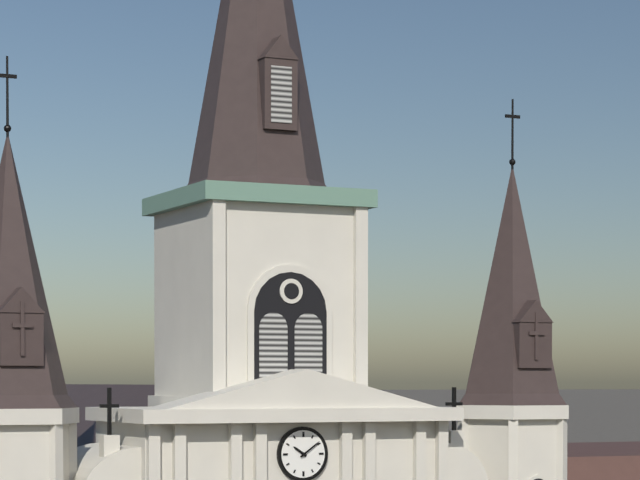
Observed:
10:09
